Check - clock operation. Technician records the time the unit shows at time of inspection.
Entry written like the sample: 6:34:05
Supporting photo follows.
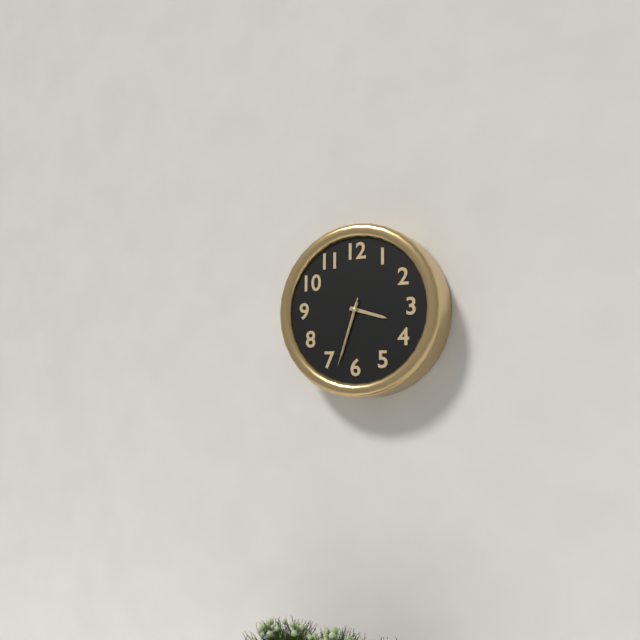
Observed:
3:33:33
